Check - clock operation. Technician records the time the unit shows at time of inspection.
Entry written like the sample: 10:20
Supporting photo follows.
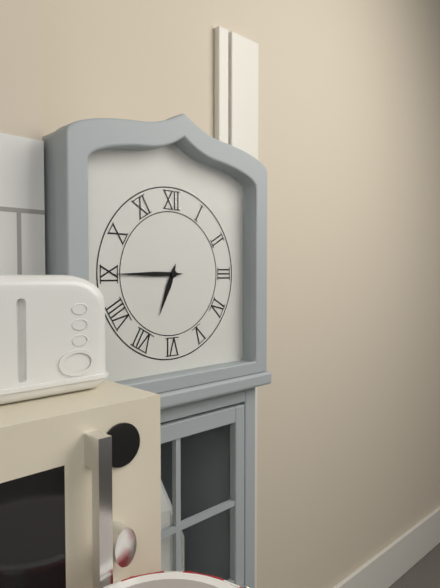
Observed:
6:45
